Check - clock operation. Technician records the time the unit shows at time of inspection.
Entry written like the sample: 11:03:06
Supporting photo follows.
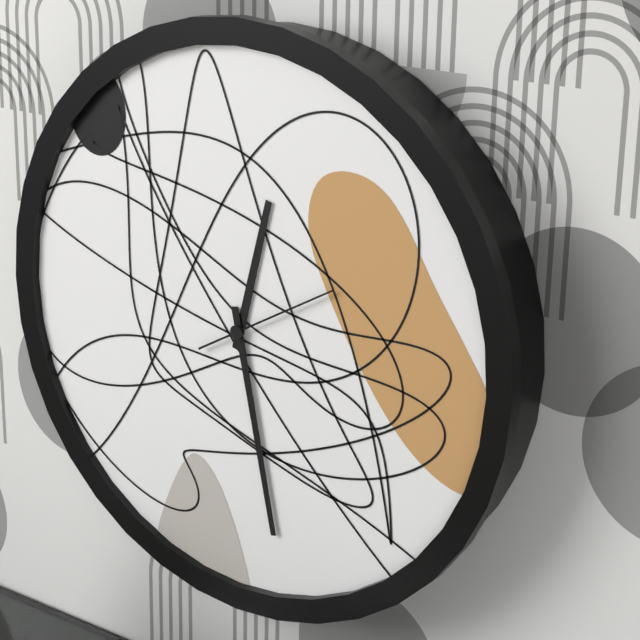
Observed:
12:28:10
